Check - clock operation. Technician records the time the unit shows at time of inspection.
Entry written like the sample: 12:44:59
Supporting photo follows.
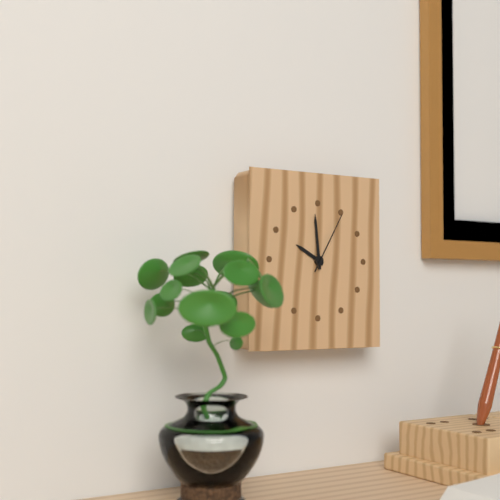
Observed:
9:59:05
